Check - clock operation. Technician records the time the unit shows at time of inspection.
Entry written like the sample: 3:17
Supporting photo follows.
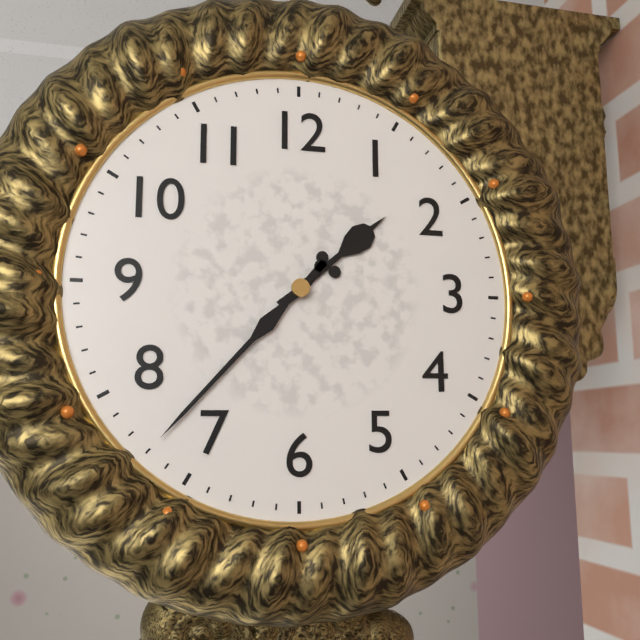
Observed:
1:37
